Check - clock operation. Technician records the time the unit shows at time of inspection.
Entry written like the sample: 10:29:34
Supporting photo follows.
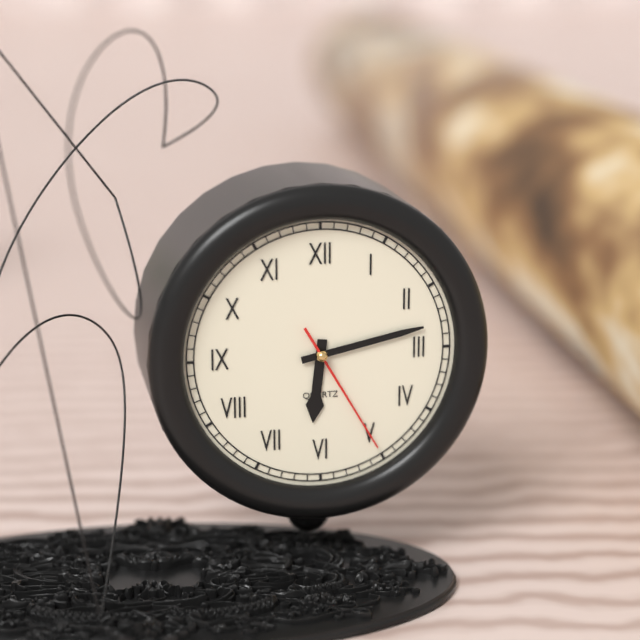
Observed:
6:13:25
